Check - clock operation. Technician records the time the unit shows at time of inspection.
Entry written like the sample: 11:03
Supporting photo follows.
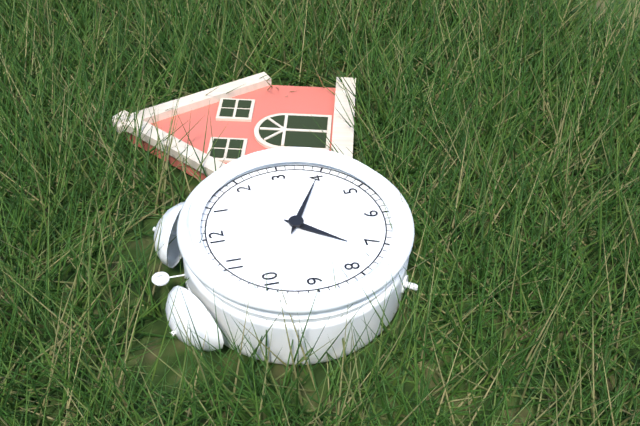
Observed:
7:20
